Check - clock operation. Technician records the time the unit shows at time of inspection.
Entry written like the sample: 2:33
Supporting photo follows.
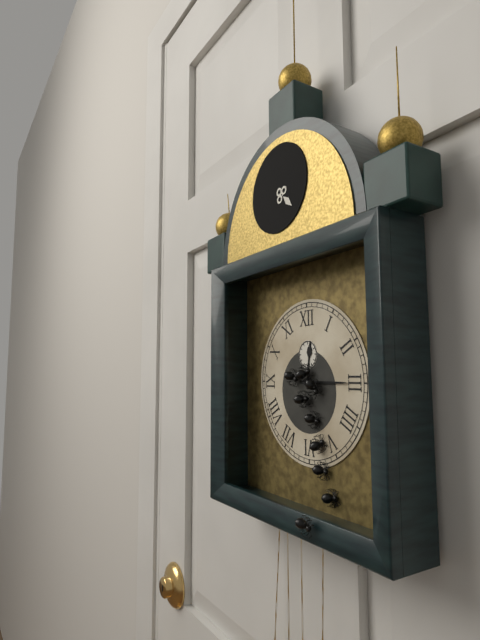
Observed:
12:15
